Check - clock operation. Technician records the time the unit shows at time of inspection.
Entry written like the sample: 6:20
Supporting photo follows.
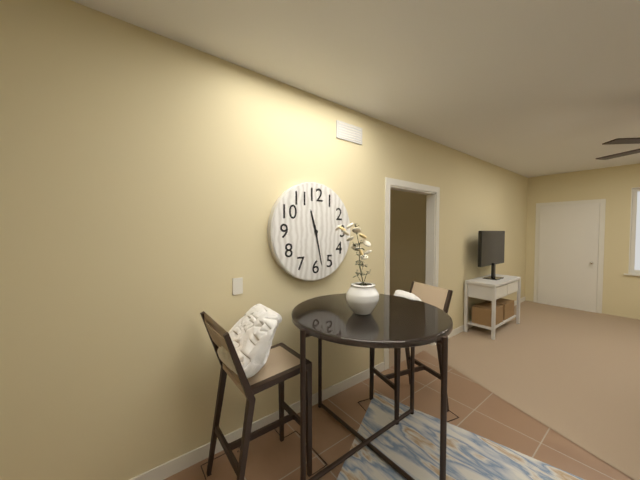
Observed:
11:28
